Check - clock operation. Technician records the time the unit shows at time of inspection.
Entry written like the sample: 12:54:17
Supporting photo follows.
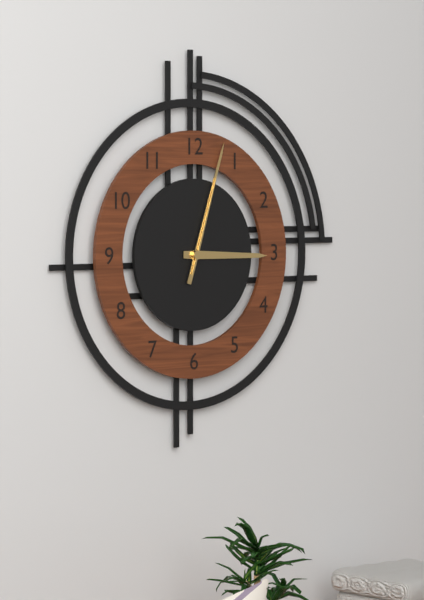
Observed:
3:03:03
